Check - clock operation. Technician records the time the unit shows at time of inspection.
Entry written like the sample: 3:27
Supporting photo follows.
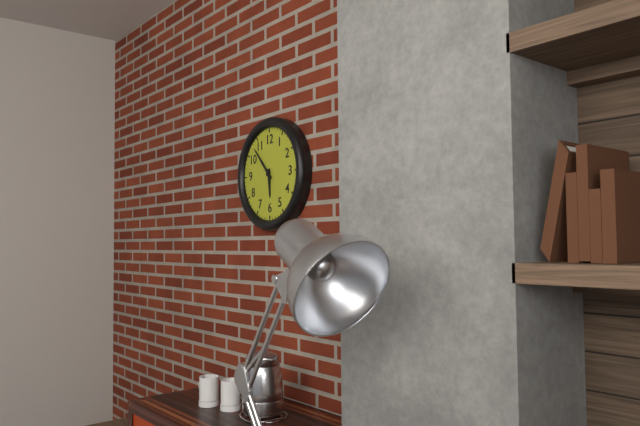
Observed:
5:53
